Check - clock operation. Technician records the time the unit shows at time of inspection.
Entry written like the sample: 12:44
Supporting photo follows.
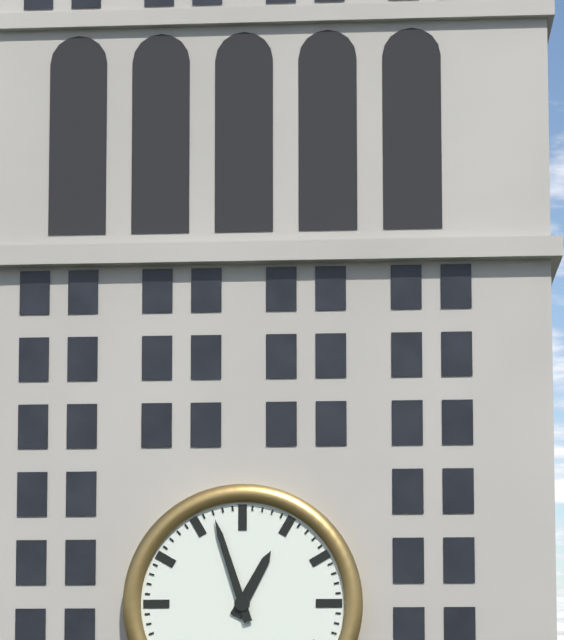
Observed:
12:57
